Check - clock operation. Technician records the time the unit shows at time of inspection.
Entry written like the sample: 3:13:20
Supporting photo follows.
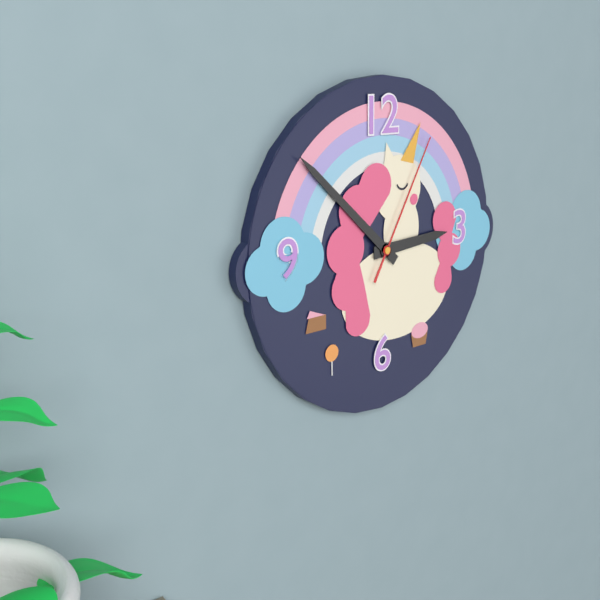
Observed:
2:52:05
